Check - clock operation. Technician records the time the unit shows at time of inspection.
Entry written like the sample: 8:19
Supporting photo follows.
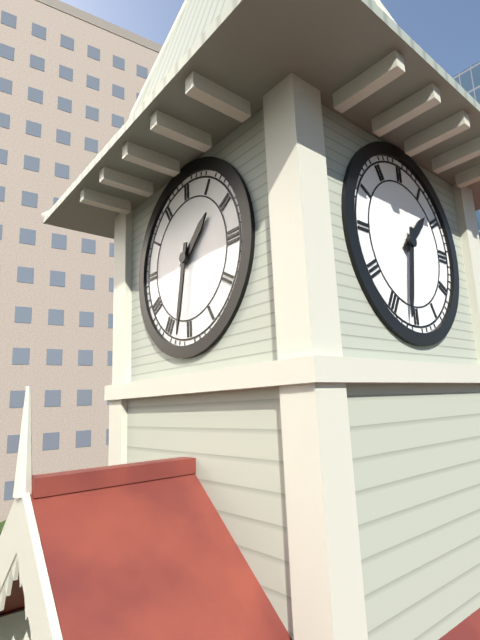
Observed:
1:32
